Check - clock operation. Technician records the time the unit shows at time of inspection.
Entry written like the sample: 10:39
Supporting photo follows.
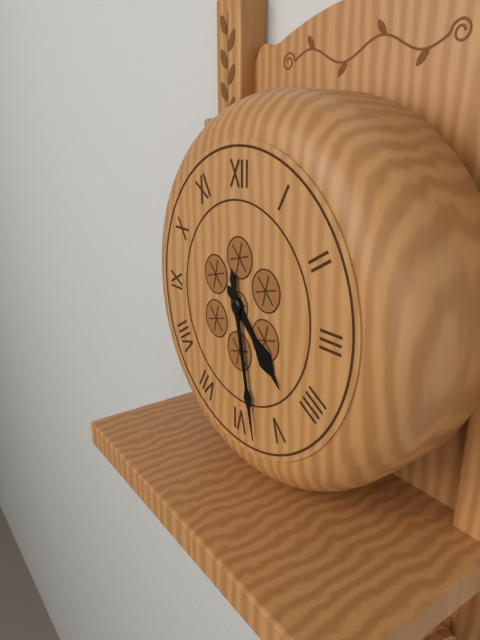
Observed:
4:28
